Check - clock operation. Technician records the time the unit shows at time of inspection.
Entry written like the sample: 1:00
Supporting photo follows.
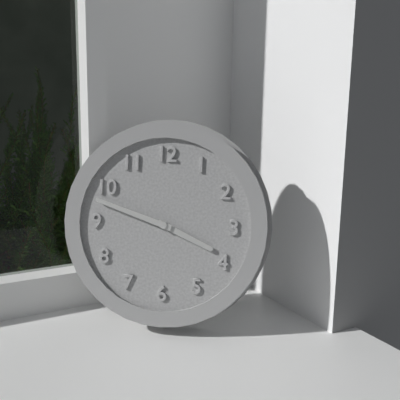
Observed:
3:48
